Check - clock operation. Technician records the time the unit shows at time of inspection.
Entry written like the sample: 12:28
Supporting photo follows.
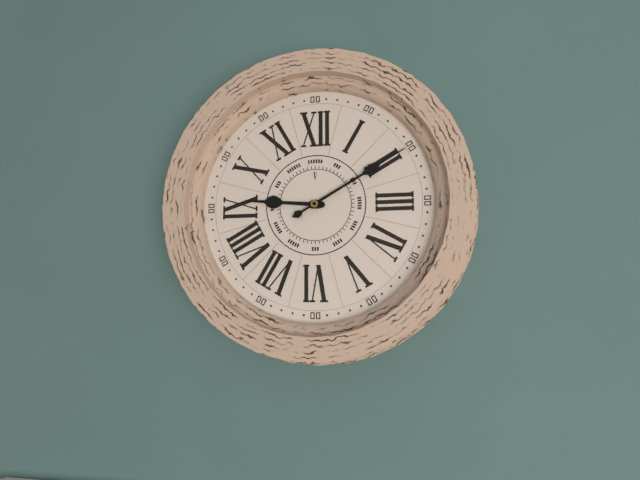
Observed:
9:10
